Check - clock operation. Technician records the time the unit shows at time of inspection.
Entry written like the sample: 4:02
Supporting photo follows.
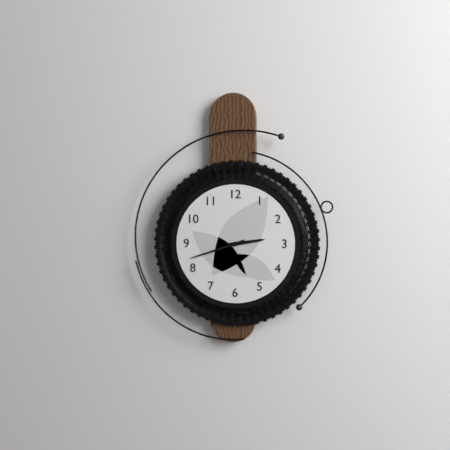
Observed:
2:42
